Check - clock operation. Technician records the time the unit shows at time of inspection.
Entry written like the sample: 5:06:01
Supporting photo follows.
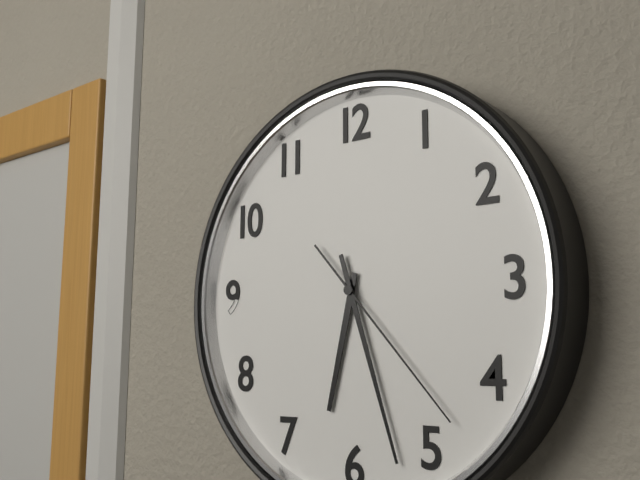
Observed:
6:27:23
